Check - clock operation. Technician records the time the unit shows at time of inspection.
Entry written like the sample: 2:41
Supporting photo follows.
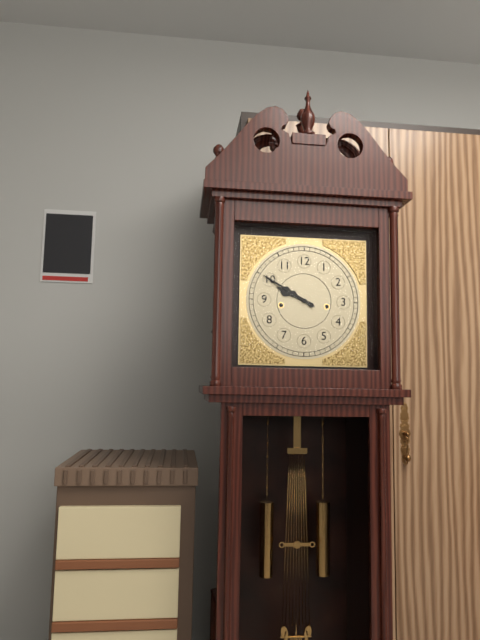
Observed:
9:50
